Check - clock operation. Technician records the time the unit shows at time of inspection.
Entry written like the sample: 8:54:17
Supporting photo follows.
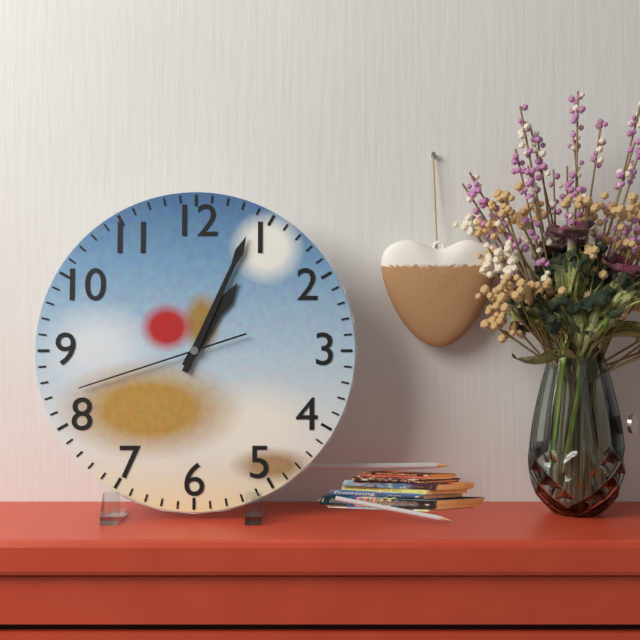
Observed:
1:04:42
